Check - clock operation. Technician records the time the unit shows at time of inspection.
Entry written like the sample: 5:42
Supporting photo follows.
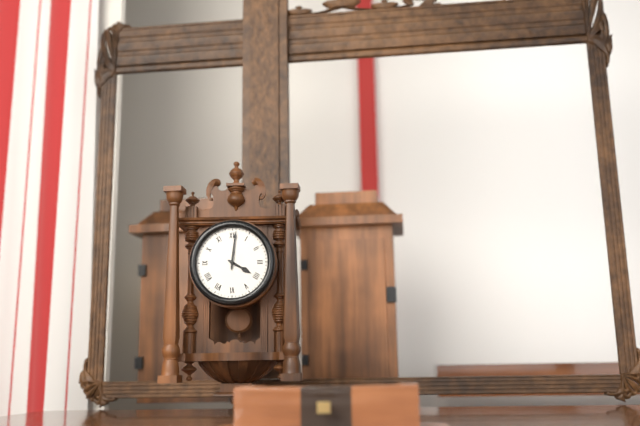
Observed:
4:01
